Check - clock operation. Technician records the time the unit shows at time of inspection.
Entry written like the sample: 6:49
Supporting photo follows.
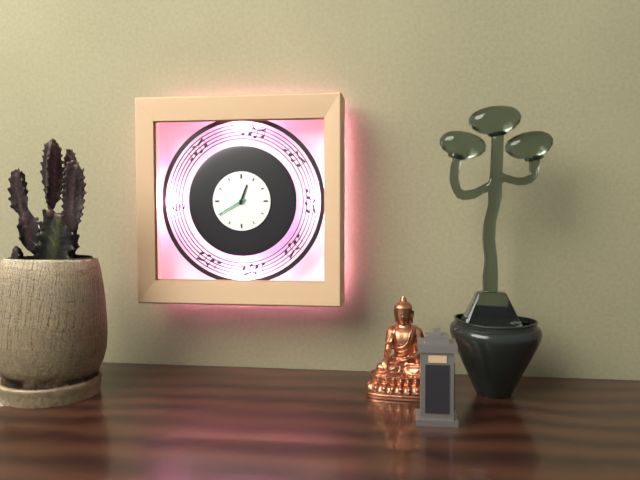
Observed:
12:40
